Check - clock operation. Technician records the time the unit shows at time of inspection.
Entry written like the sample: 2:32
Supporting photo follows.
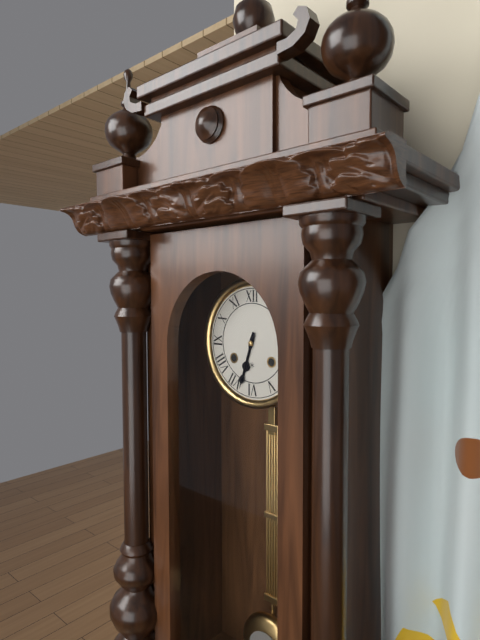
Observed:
6:33
